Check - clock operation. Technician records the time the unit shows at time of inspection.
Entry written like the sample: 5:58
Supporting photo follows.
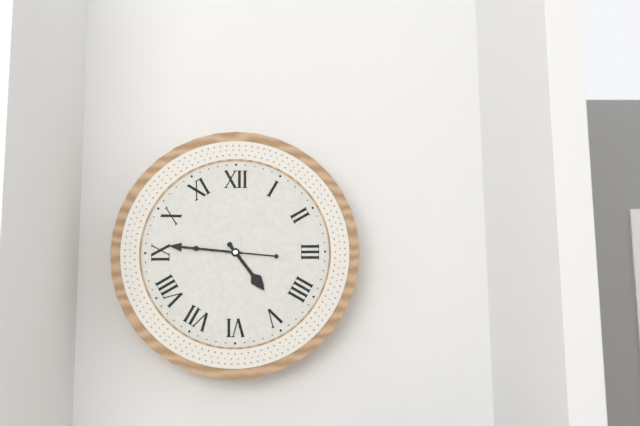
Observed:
4:46
